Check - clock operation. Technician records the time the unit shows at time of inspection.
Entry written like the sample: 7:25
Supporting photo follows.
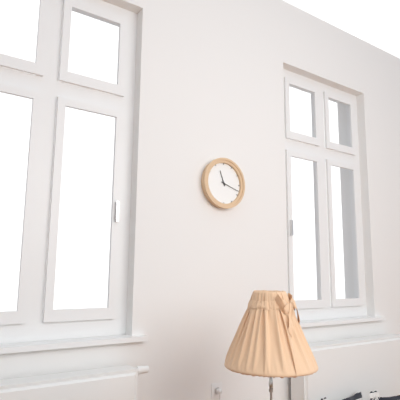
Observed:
11:18
